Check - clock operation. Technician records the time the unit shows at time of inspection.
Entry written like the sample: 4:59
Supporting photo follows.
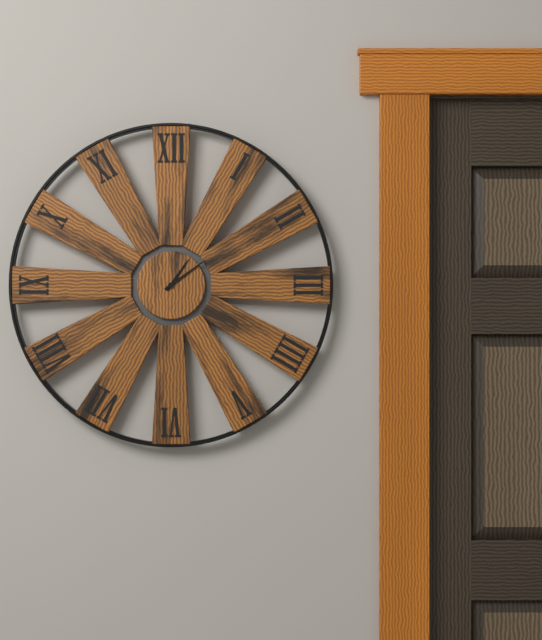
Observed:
1:09
